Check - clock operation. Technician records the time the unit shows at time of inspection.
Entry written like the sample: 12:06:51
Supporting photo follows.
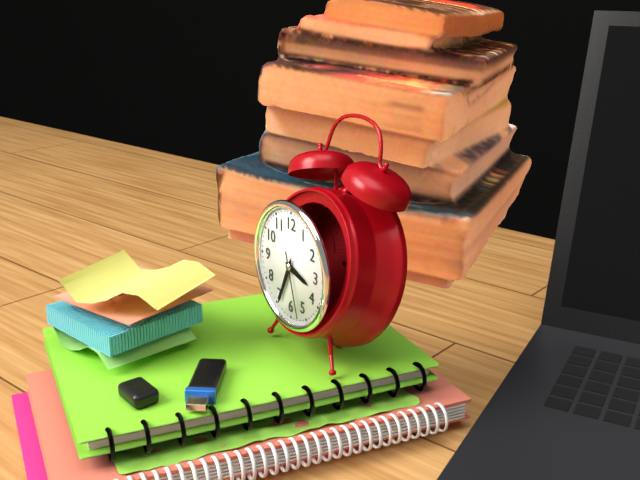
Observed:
3:34:27
